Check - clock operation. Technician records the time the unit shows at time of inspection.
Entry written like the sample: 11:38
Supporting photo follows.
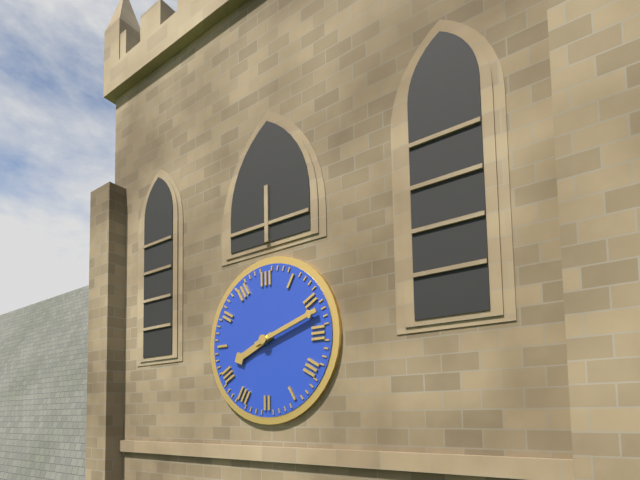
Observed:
8:12
